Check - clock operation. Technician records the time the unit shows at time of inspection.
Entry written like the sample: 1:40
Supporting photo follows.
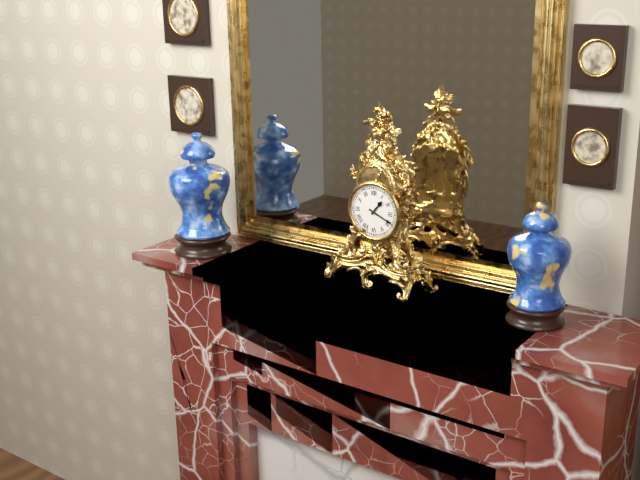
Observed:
1:19
